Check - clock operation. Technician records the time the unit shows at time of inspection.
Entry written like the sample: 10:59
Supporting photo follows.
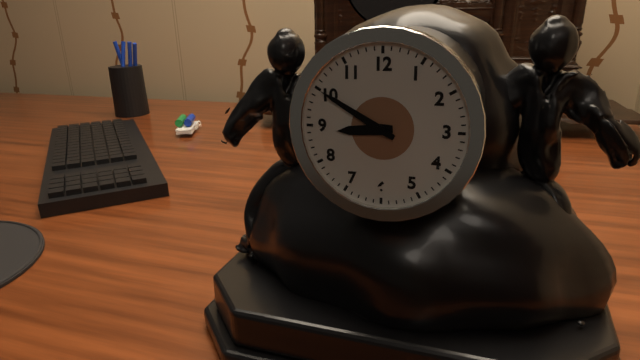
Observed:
8:50
